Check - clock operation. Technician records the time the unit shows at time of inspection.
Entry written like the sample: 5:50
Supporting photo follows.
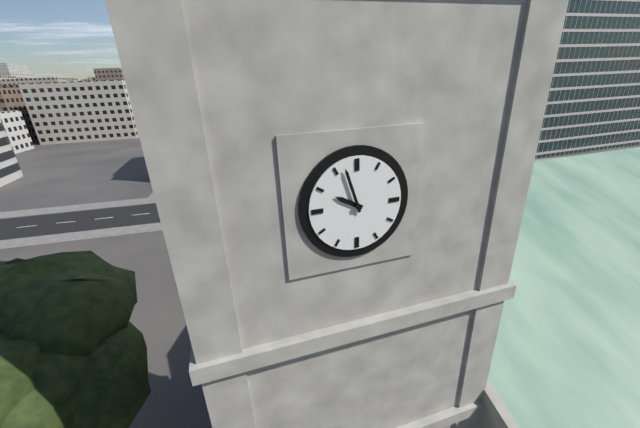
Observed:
9:57
